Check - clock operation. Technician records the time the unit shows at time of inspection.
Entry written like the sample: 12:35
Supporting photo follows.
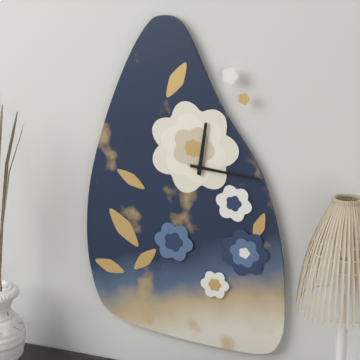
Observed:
12:16
